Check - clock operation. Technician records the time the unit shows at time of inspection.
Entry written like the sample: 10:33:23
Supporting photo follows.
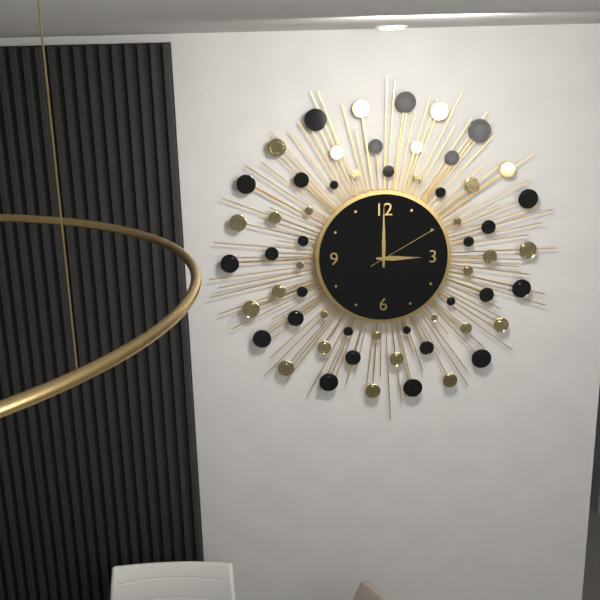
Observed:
3:00:10
